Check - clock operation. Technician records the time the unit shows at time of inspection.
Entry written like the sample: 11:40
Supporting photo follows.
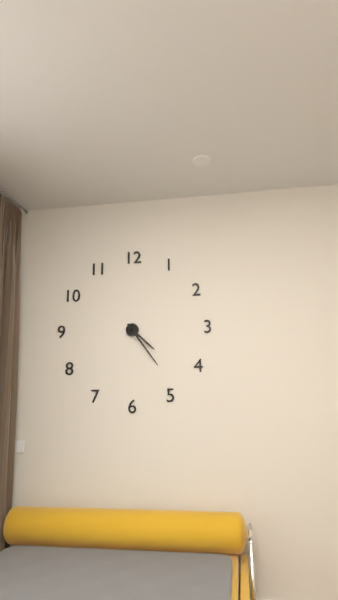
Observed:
4:24
